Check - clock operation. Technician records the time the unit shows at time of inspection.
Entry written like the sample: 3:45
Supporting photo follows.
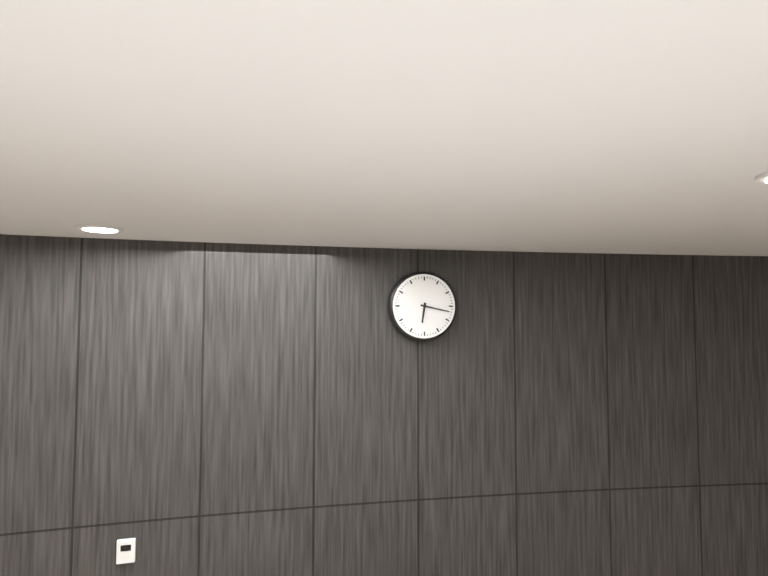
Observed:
6:17
